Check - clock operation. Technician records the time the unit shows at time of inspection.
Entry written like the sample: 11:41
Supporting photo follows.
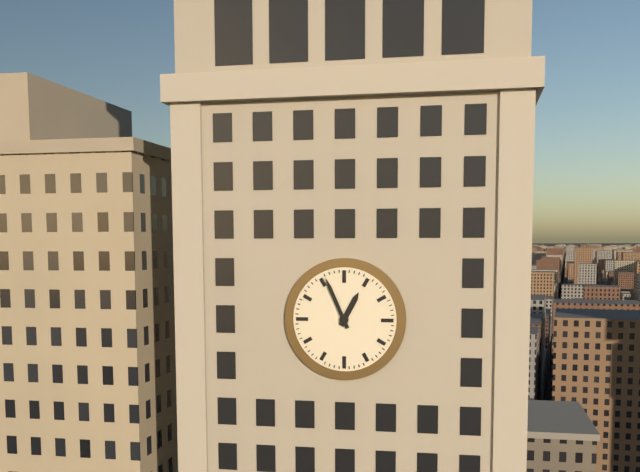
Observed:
12:56
